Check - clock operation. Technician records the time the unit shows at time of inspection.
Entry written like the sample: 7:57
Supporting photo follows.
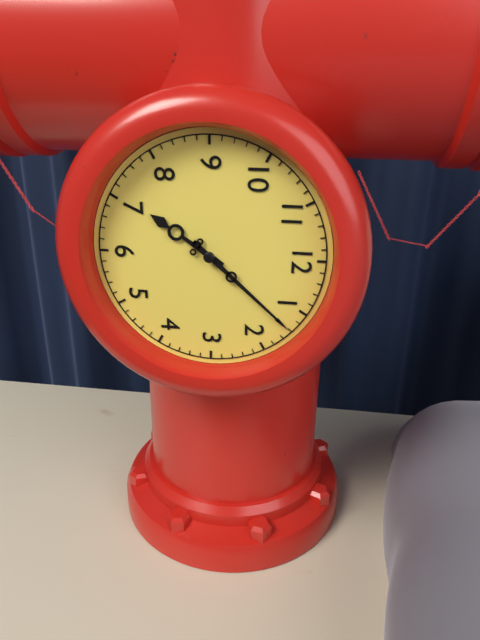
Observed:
7:07
